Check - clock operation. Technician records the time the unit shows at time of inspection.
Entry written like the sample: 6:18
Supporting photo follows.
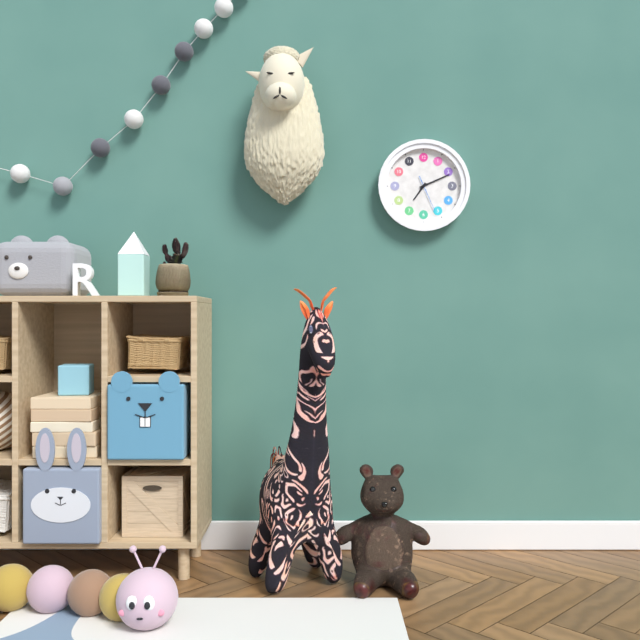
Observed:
7:11
